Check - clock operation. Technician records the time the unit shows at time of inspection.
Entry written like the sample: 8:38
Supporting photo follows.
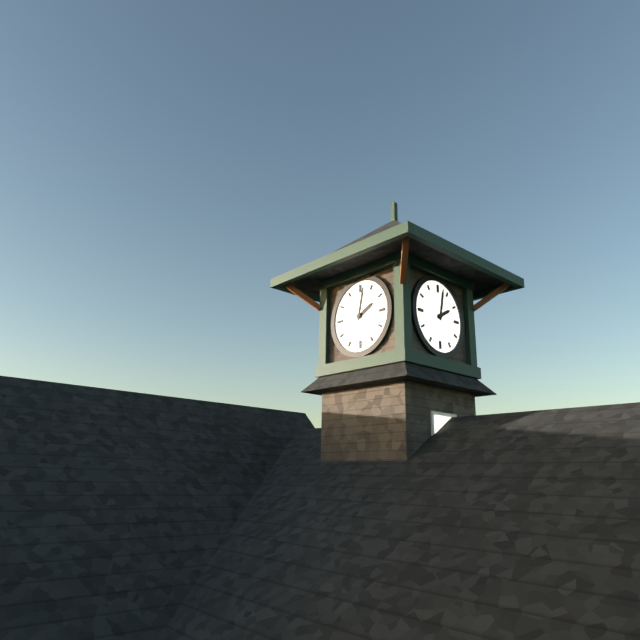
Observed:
2:02
